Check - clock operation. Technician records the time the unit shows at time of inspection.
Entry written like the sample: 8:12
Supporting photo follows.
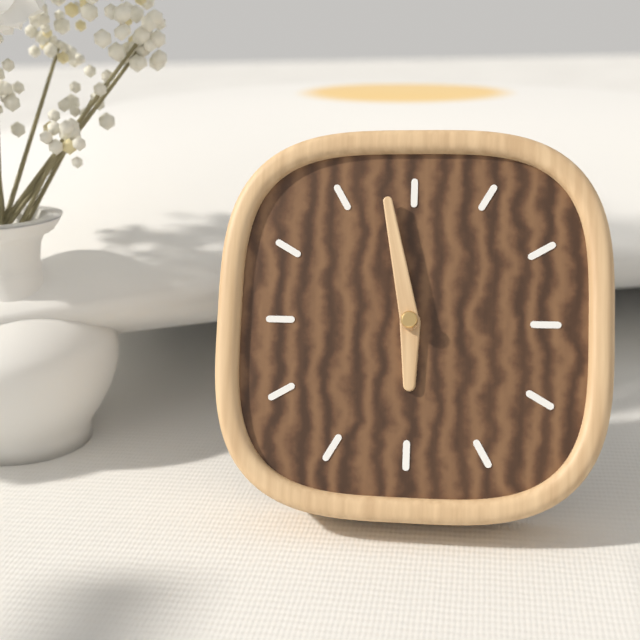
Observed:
5:58
